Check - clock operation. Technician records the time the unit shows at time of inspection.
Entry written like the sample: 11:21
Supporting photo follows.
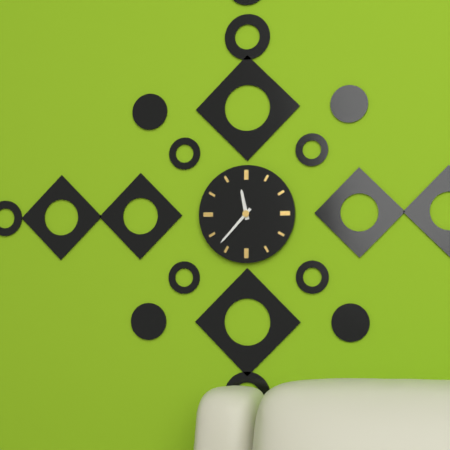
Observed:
11:37
